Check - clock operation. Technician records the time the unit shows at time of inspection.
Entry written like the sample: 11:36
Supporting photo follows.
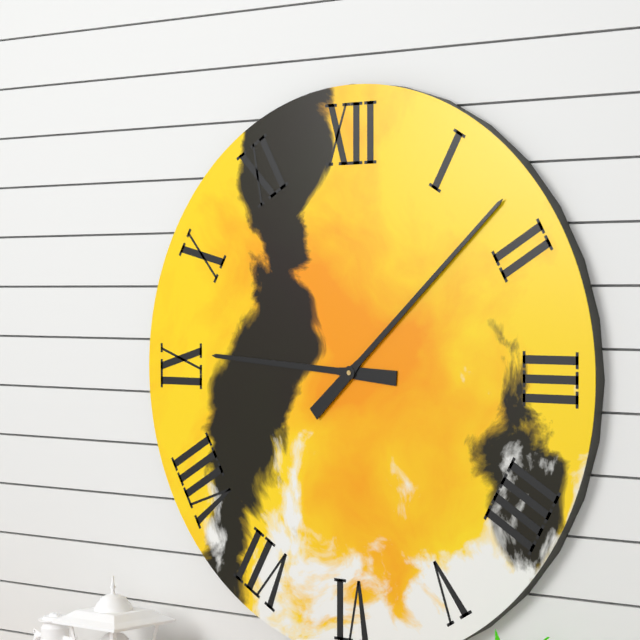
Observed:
9:08
